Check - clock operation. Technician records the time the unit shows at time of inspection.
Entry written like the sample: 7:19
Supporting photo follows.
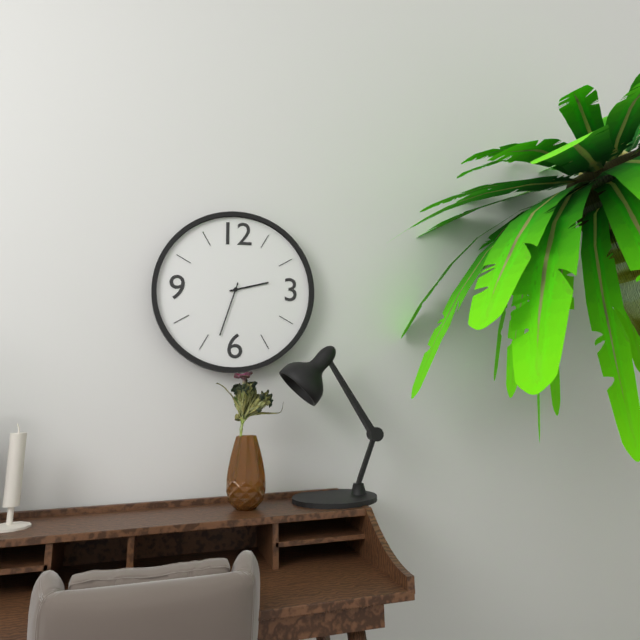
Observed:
2:33
